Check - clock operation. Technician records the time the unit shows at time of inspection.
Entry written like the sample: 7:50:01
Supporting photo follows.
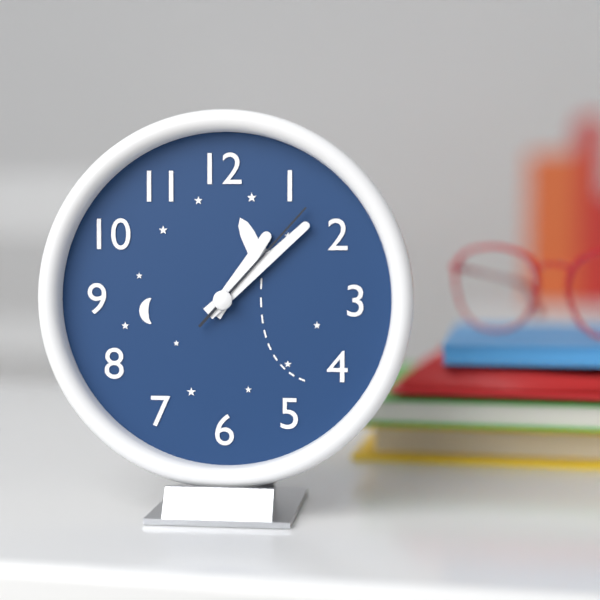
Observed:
1:08:07
